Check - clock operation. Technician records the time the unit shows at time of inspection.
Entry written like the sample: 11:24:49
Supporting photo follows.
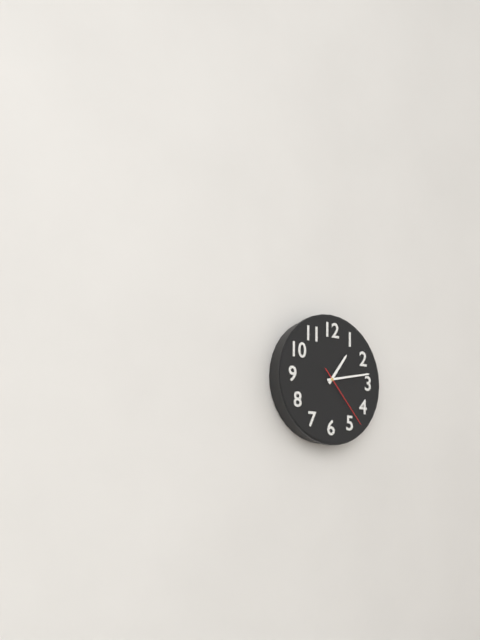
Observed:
1:13:23
